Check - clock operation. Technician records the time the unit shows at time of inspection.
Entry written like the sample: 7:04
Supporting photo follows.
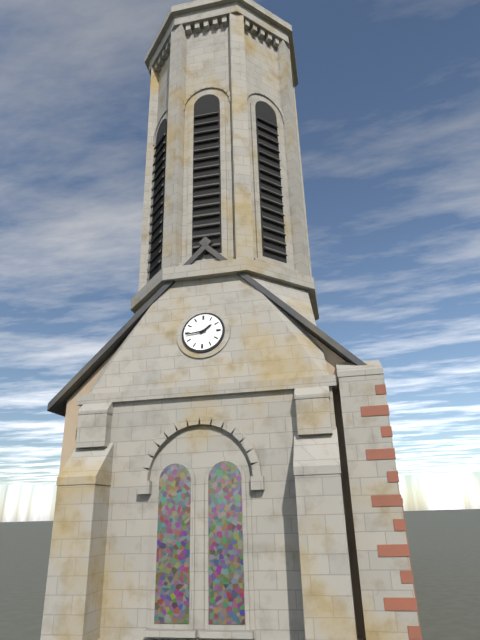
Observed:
1:44
